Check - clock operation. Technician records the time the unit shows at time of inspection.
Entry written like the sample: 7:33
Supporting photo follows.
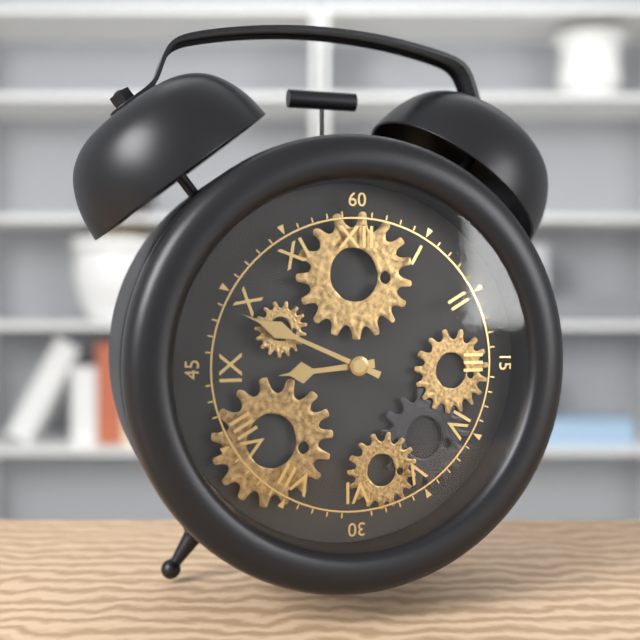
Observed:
8:49
